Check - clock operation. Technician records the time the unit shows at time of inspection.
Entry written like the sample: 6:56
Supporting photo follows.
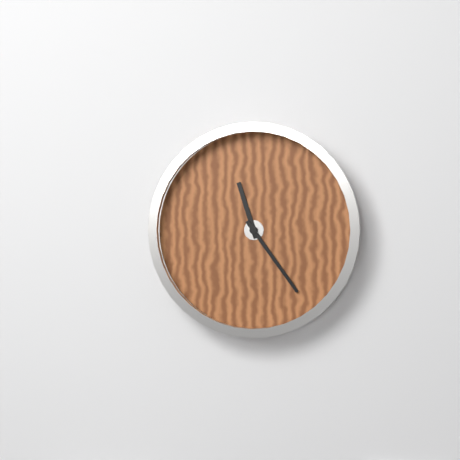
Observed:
11:24
